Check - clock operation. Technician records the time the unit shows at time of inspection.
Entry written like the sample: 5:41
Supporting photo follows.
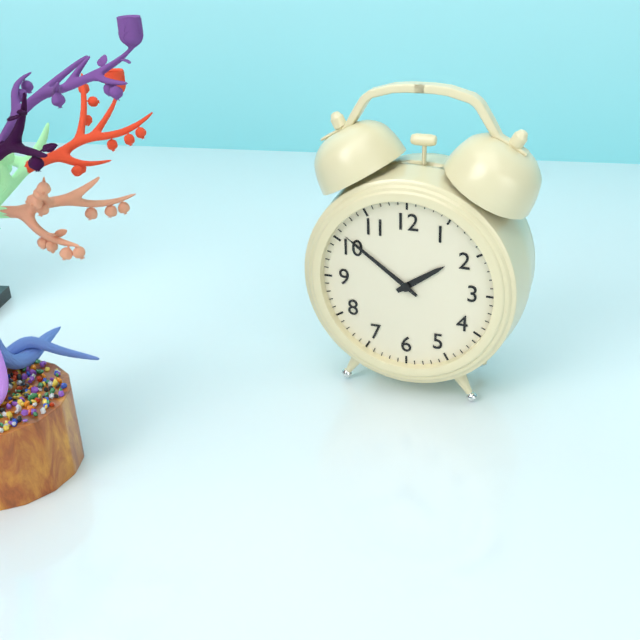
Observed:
1:51
